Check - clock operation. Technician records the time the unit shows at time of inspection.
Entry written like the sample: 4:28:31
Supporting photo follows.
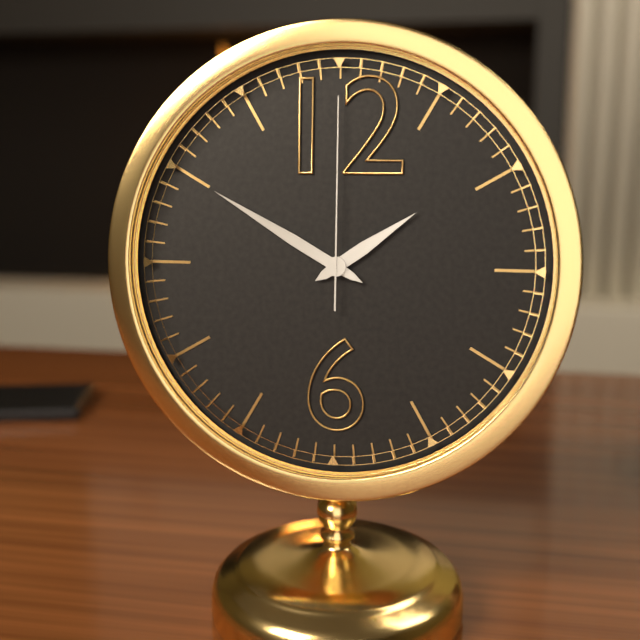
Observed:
1:50:00
